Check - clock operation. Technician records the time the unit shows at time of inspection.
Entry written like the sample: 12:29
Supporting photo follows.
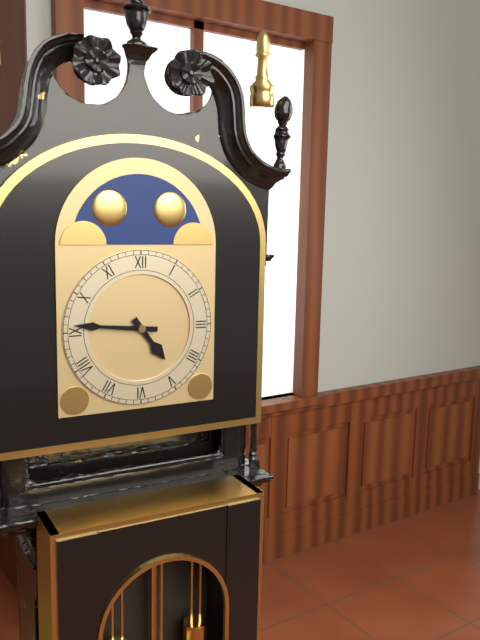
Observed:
4:46
